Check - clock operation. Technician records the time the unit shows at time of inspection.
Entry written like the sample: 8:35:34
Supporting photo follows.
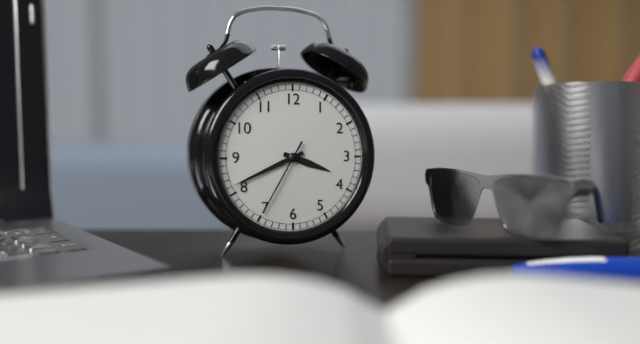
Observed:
3:41:35
